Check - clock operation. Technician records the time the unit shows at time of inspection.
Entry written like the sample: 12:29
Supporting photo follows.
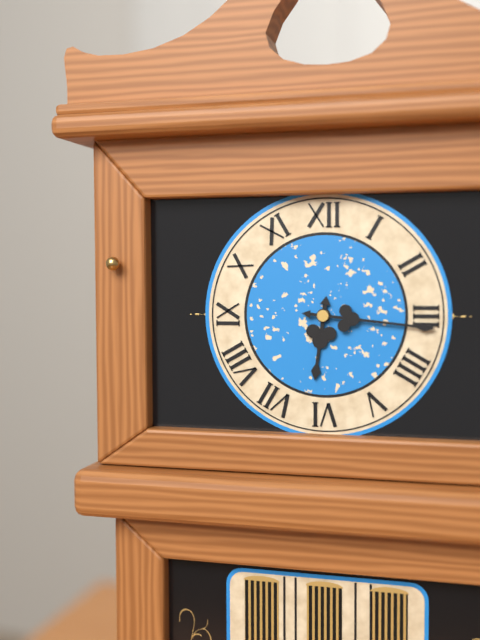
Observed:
6:16
